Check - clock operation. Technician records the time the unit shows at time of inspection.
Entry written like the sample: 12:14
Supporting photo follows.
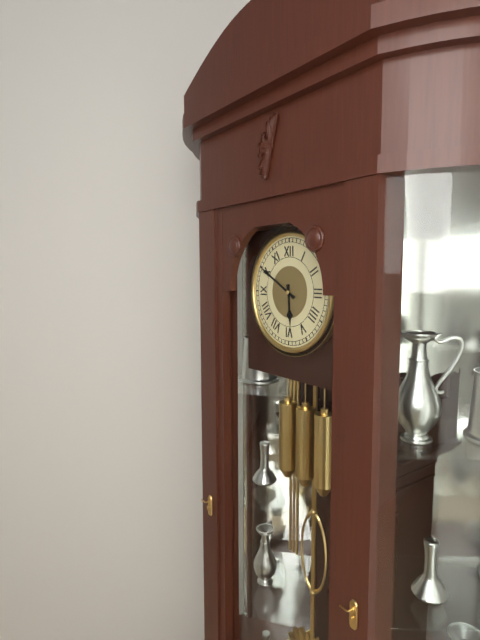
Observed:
5:50
